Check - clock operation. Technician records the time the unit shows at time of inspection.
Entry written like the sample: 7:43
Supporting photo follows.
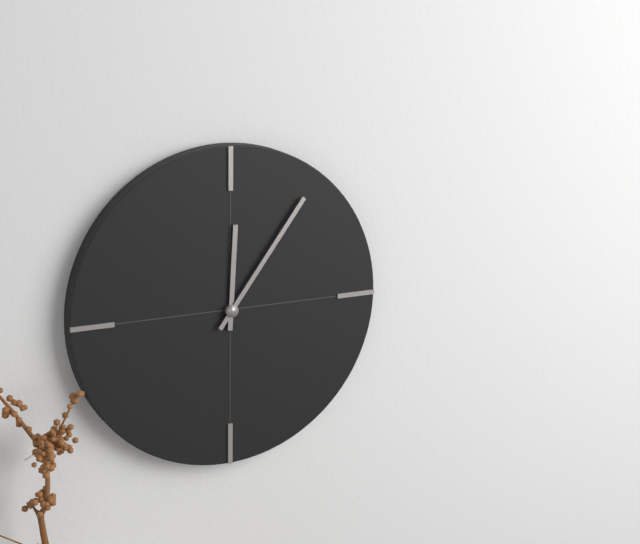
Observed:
12:06
